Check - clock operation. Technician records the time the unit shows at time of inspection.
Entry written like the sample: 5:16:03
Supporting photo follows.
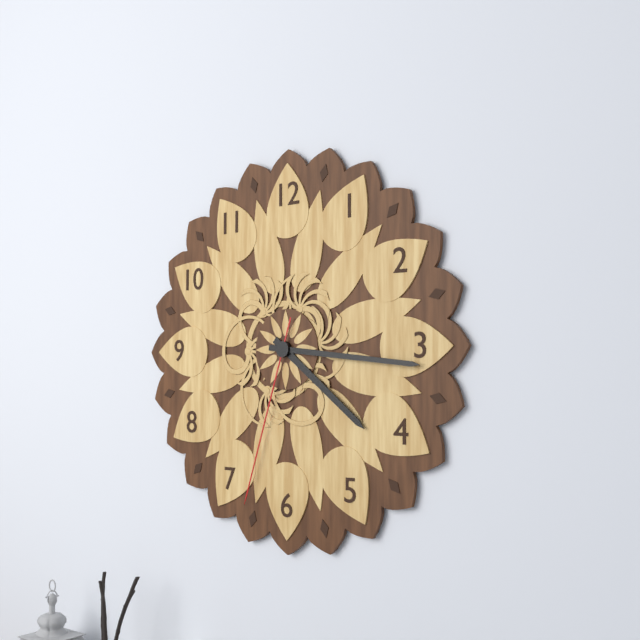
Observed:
4:16:33
